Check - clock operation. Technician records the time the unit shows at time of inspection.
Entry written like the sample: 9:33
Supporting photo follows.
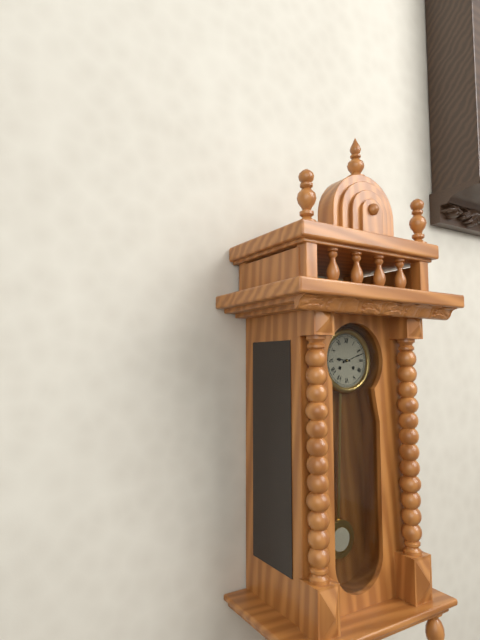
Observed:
9:12
